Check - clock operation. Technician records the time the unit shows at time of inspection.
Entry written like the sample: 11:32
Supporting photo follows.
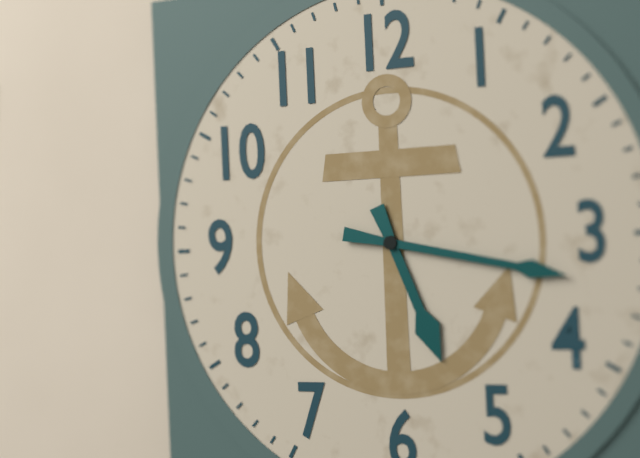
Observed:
5:17
